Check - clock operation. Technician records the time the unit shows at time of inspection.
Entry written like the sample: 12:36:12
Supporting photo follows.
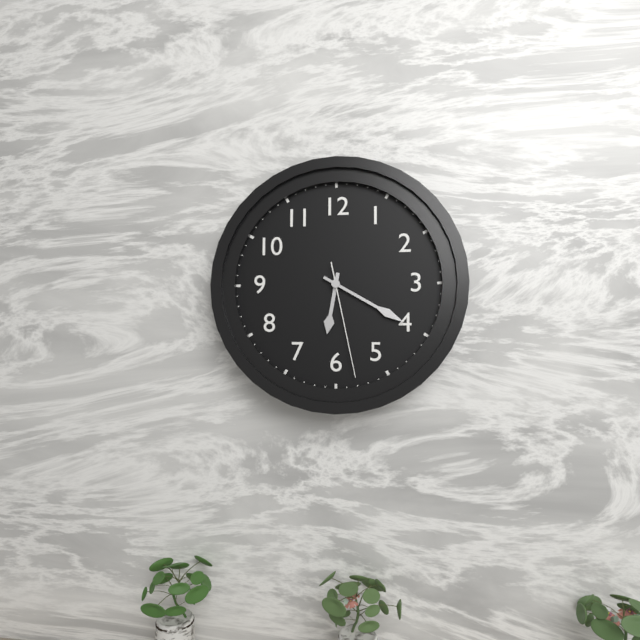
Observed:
6:20:28
